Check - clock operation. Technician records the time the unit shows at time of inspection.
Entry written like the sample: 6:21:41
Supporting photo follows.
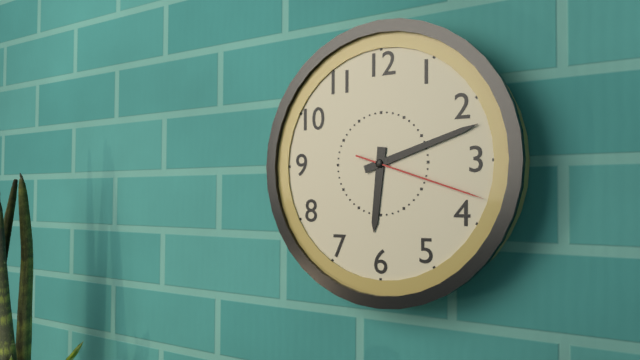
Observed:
6:12:18
